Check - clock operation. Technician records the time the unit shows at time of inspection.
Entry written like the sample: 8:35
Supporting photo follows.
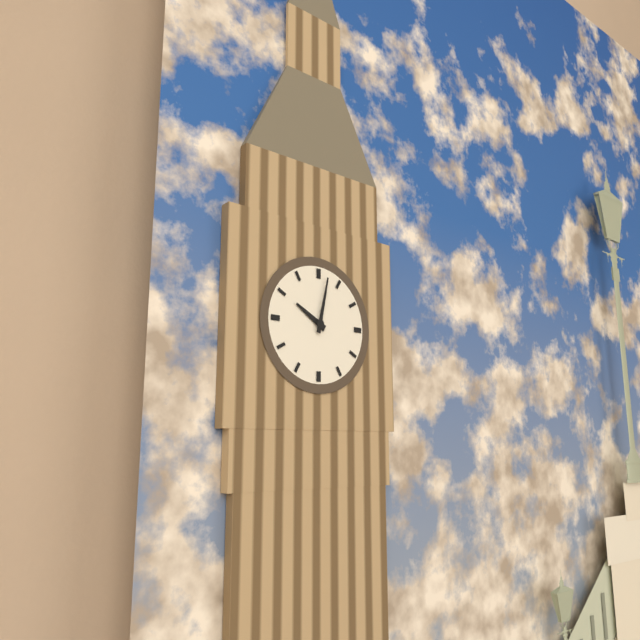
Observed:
10:02
